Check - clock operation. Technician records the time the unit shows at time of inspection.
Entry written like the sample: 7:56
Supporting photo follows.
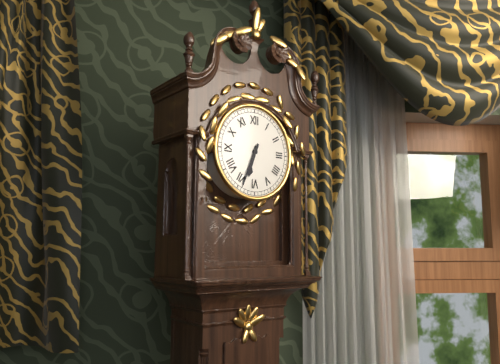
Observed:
6:34
